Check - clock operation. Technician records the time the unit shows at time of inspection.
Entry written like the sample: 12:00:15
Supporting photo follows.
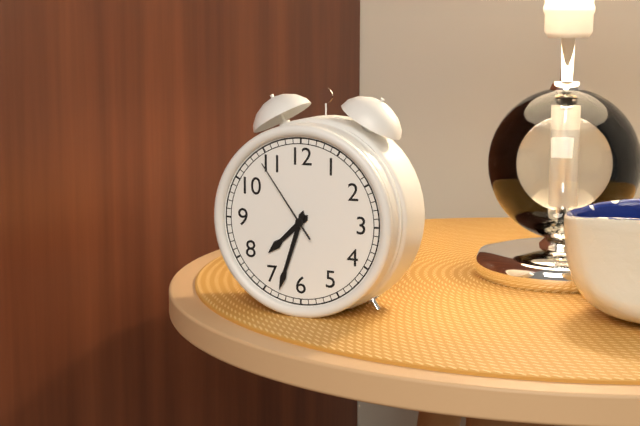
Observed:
7:33:54
